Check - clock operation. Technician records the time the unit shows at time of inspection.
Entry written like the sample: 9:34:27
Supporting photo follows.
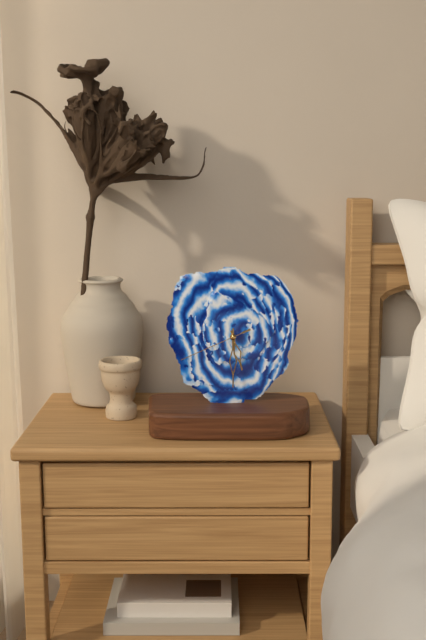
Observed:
5:30:41
